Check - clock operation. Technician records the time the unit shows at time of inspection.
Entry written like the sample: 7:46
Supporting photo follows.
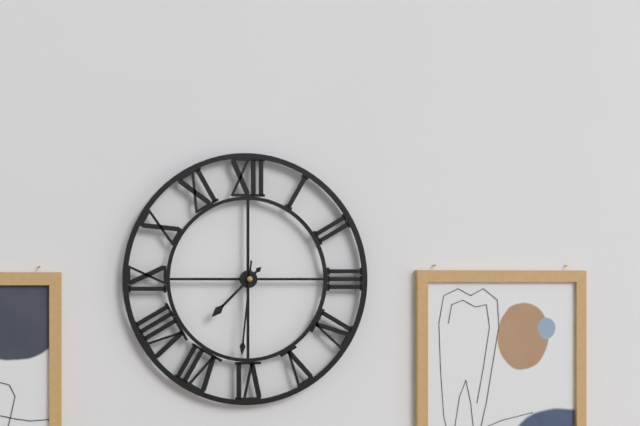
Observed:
7:31
